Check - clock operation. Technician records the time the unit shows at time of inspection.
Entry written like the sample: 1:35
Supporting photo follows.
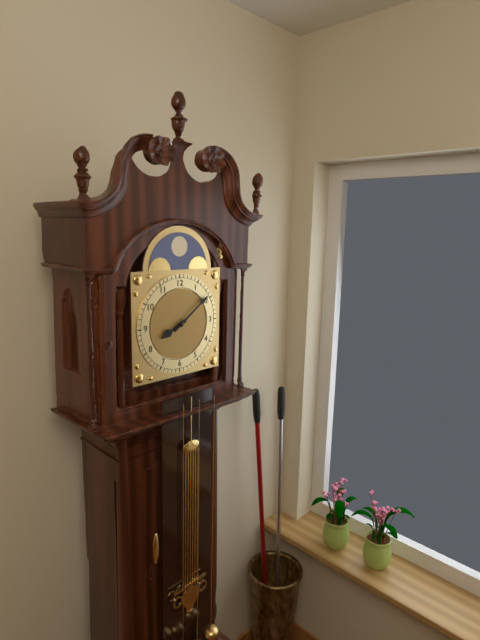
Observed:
8:09
